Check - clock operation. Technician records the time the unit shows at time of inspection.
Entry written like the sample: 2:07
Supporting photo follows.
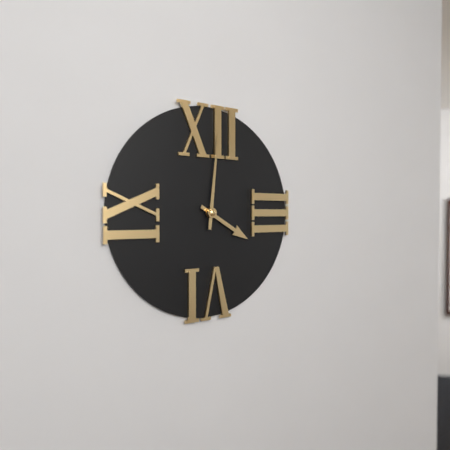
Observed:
4:01
